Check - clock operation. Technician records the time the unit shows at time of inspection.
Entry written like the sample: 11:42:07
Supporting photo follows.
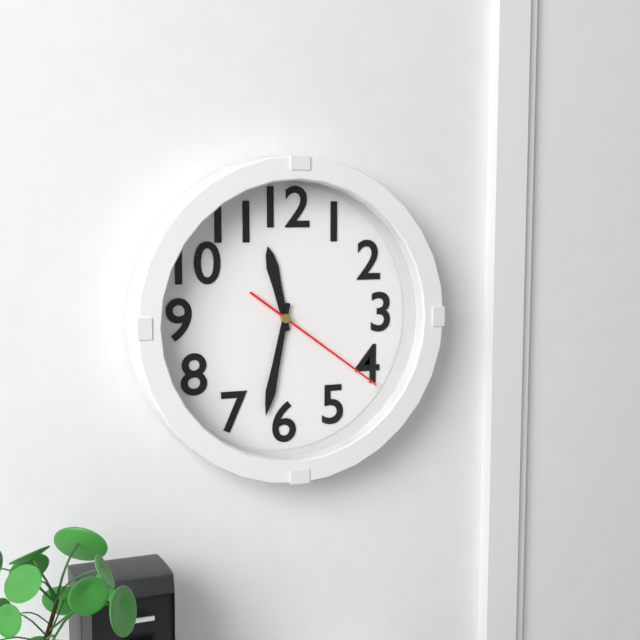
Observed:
11:32:21
